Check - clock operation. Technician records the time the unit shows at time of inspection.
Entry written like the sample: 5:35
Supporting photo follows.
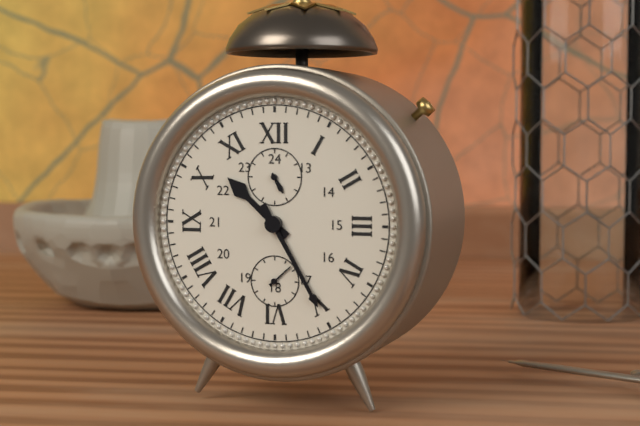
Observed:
10:25
